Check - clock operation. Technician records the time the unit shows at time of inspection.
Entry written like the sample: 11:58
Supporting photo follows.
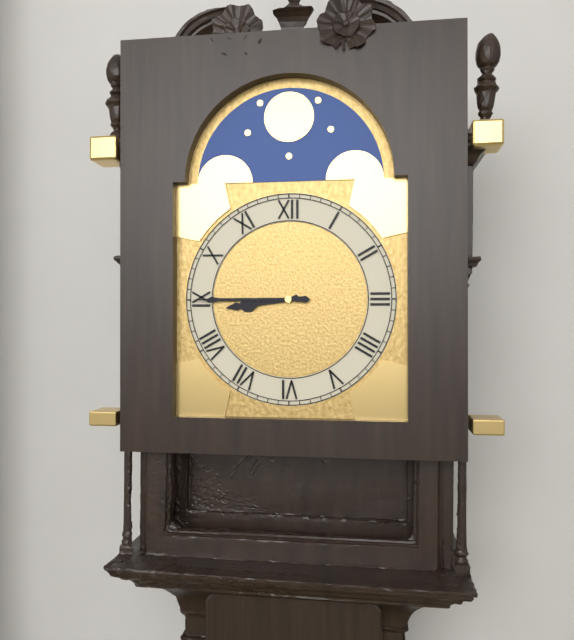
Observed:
8:45
